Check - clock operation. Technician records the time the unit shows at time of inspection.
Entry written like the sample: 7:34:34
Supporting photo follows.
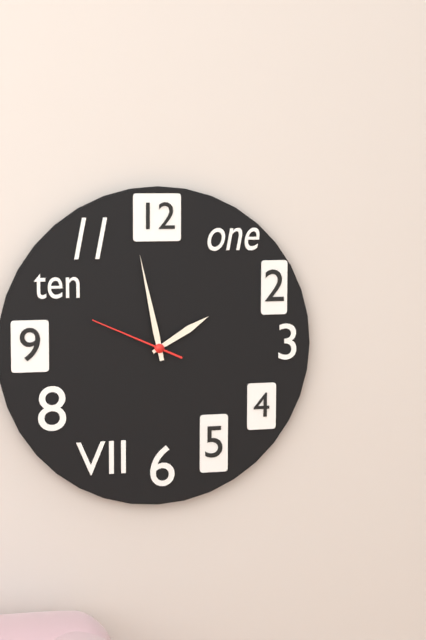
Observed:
1:58:49
